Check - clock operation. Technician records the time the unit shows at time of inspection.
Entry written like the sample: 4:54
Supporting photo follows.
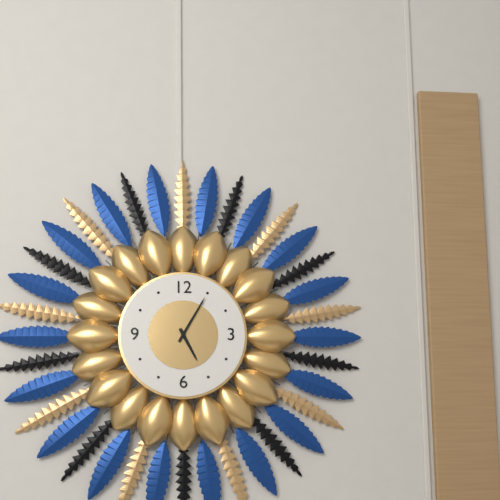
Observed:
5:05
